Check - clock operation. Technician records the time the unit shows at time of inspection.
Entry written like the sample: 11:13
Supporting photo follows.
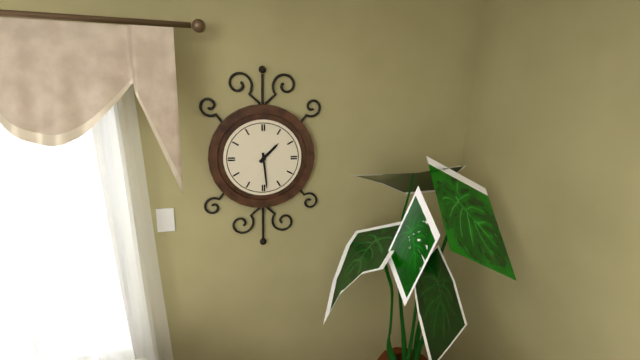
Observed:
1:29
